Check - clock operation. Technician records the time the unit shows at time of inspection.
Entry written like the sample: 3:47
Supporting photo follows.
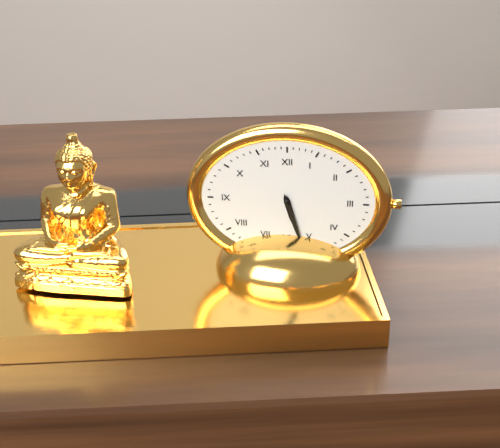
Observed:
5:27
